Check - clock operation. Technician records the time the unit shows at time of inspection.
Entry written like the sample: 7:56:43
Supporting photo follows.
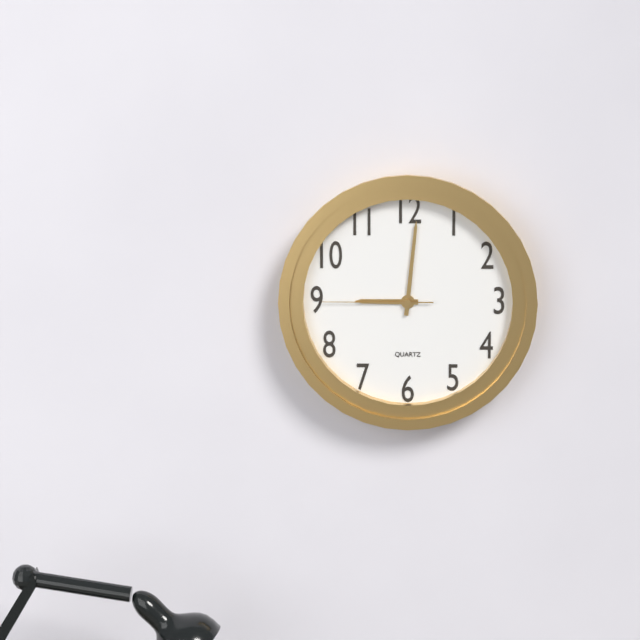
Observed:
9:01:45
